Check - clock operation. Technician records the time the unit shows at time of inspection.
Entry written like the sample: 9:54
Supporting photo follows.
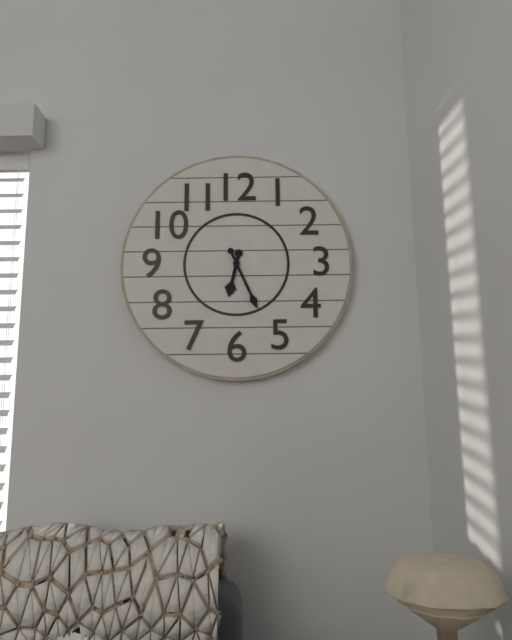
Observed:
6:26
